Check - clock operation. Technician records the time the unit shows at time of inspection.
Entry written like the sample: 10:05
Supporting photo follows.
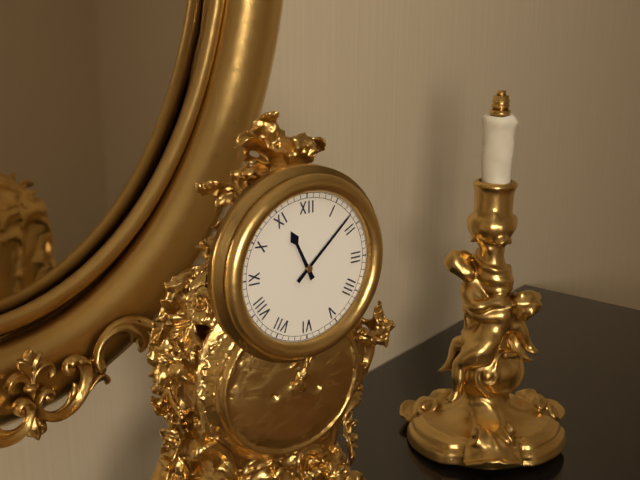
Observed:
11:08
